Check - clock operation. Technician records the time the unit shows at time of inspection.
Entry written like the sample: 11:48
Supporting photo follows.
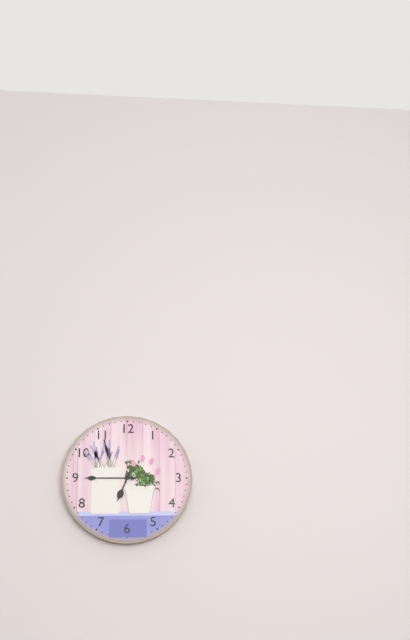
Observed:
6:45
